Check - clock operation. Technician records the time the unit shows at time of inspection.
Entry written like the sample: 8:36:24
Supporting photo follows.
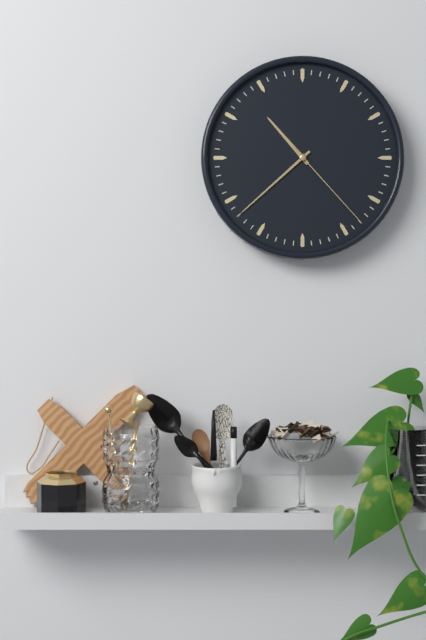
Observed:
10:38:23
